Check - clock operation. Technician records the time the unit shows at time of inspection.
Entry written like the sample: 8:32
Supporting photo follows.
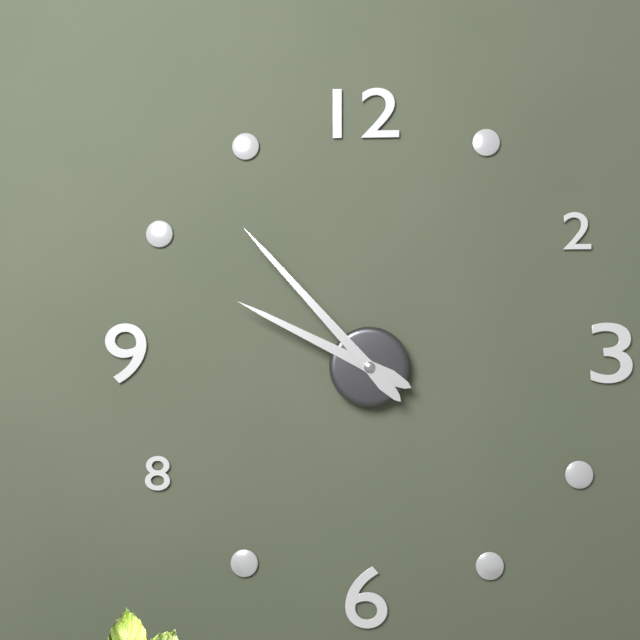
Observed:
9:53
